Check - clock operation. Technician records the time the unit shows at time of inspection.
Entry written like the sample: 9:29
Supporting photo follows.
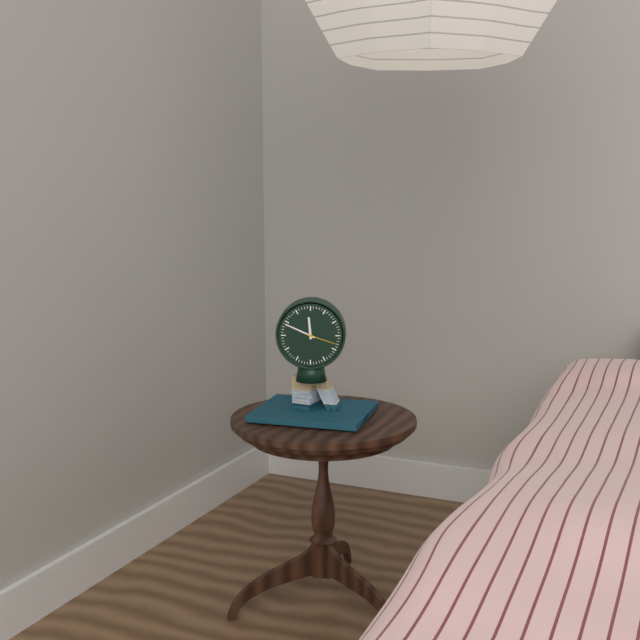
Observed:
11:49
